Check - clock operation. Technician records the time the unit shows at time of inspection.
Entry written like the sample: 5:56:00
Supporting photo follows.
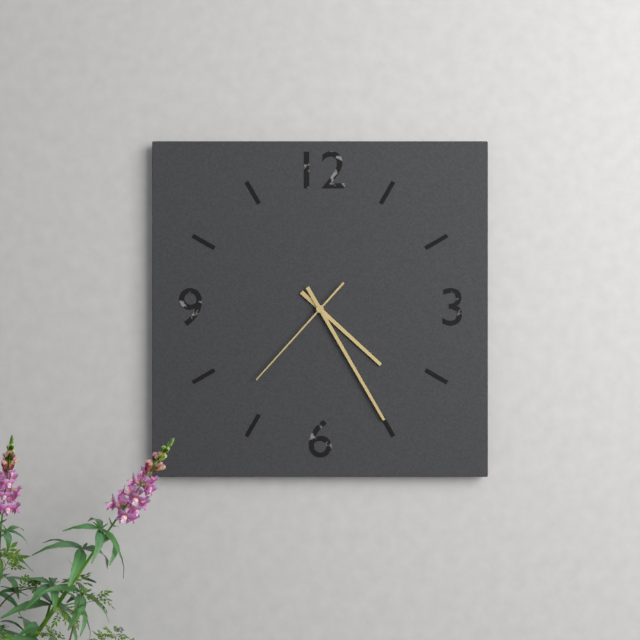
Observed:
4:25:37
